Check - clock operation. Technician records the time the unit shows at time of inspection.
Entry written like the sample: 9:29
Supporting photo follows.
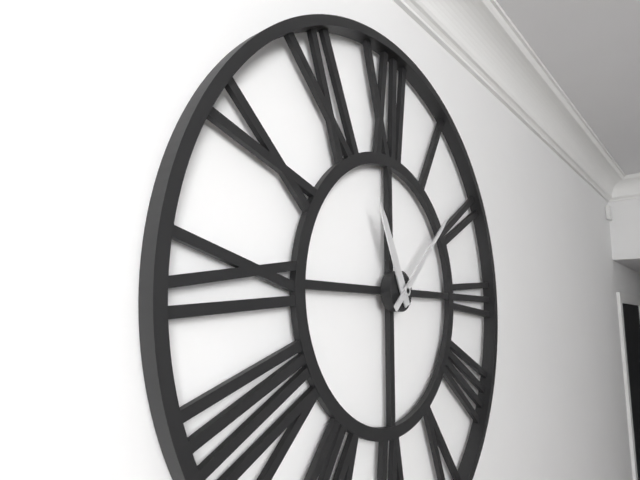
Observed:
11:08
